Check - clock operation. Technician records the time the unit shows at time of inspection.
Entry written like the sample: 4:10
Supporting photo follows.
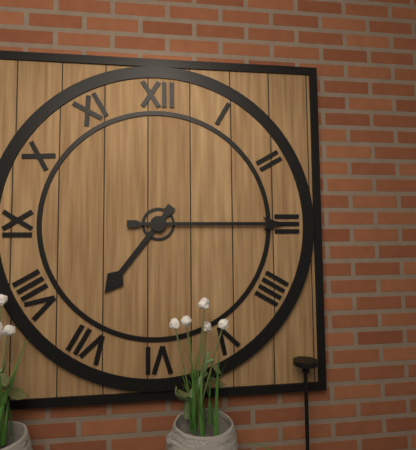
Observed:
7:15
